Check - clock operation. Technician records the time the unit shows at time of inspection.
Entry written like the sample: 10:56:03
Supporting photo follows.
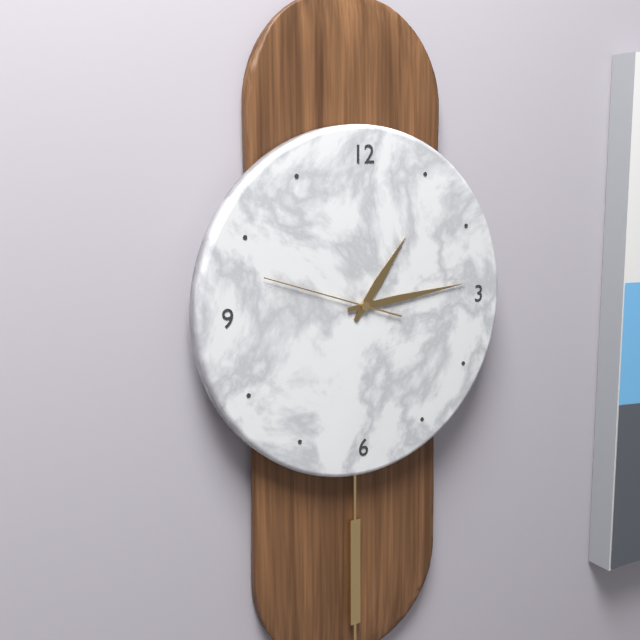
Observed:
1:14:48
